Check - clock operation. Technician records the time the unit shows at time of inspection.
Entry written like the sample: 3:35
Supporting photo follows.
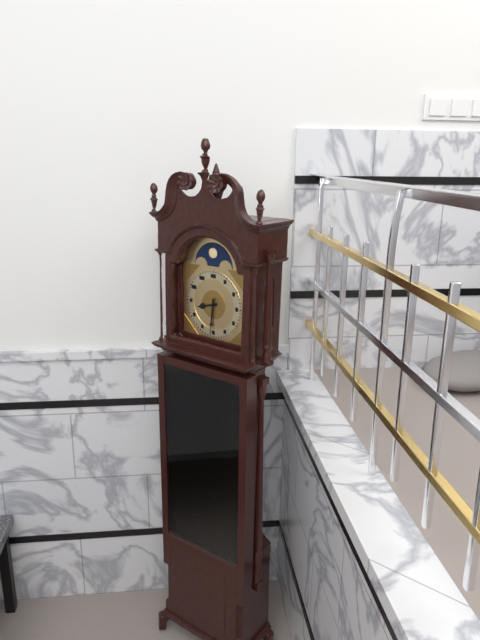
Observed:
8:31
